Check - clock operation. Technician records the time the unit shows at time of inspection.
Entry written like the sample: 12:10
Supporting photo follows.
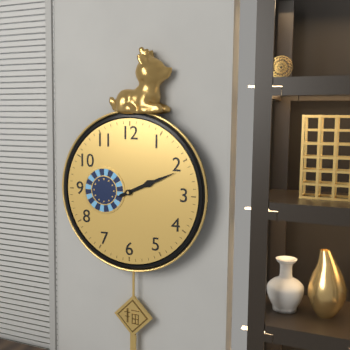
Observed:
2:11
